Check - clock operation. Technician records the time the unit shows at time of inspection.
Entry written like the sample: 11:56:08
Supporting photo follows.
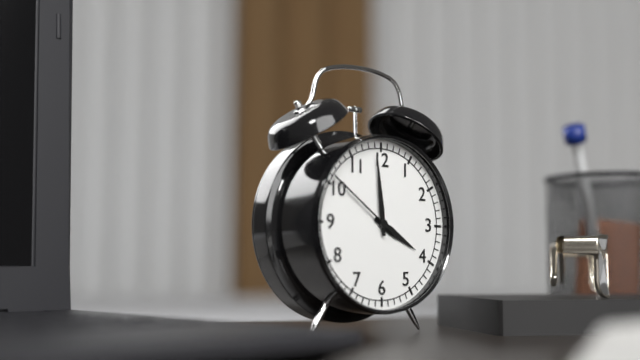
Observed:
3:59:51
